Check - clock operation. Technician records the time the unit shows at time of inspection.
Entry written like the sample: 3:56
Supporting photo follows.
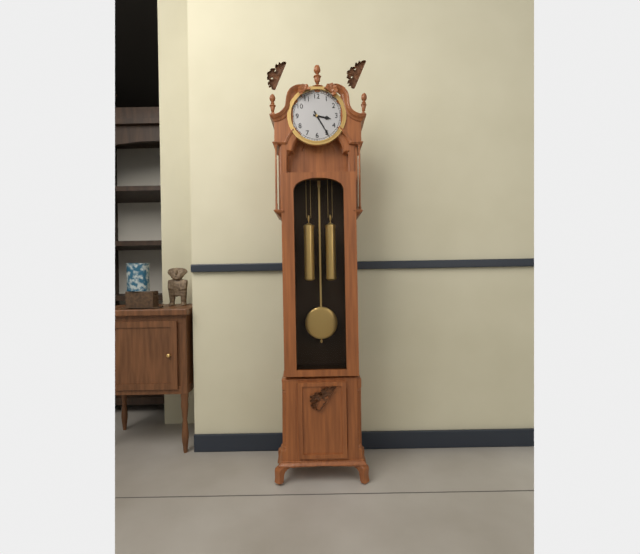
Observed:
3:25
